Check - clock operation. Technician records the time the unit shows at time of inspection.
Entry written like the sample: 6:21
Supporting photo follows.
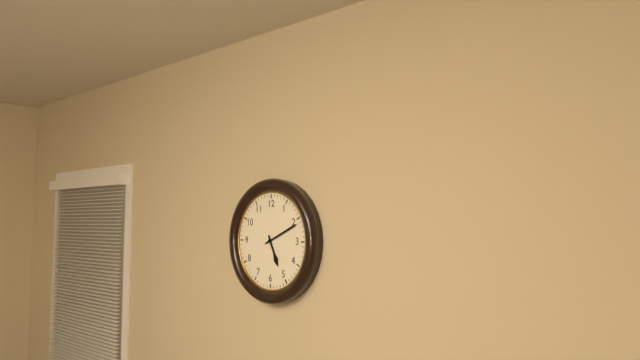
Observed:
5:11
